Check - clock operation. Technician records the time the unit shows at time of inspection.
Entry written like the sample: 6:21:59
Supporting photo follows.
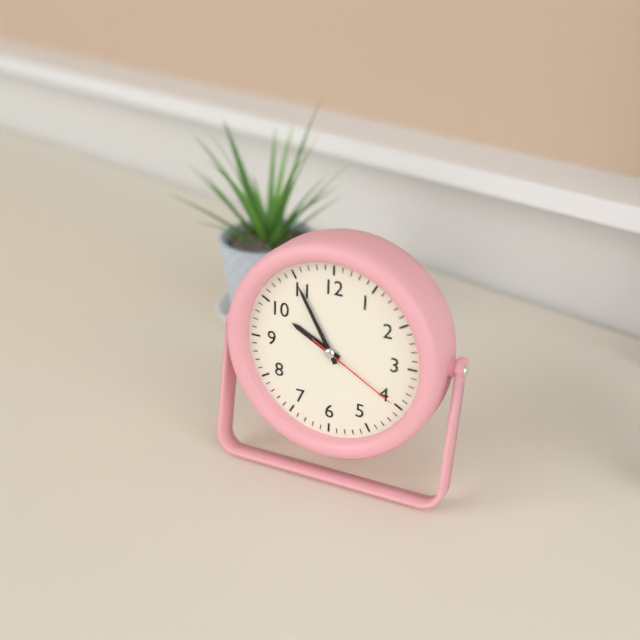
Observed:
9:55:20
